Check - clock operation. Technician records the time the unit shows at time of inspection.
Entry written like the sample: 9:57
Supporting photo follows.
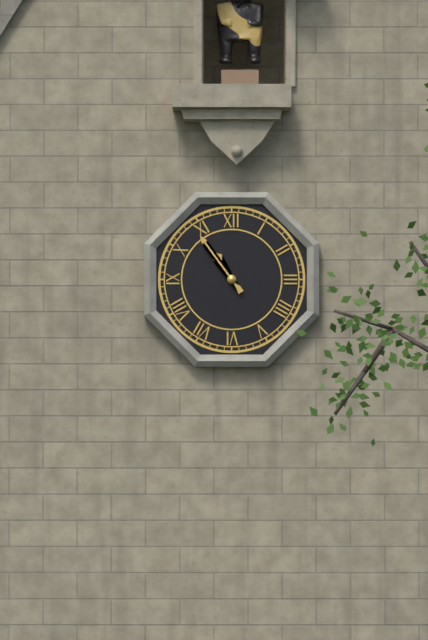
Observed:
10:54
